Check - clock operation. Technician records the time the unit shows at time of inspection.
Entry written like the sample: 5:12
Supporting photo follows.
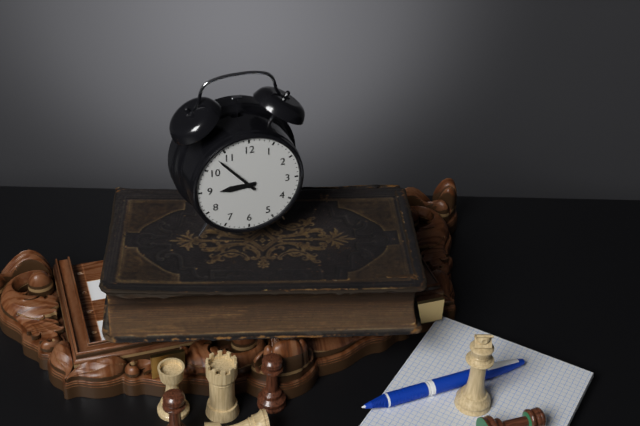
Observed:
8:53
